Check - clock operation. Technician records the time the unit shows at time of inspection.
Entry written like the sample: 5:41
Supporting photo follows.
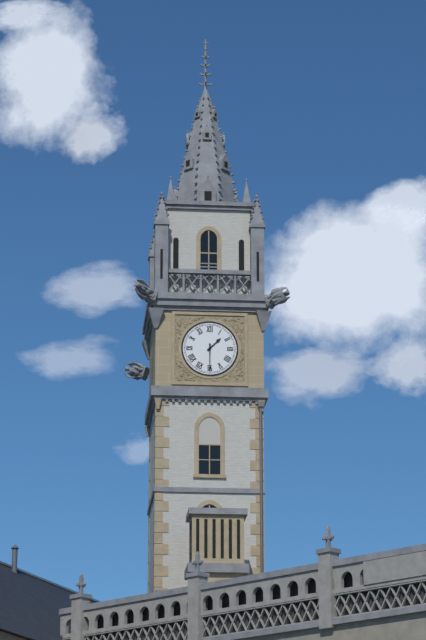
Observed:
1:30
